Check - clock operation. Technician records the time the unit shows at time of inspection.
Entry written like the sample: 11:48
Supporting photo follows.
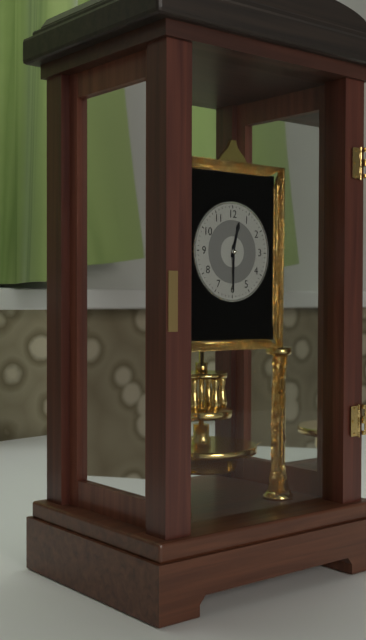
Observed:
12:30
